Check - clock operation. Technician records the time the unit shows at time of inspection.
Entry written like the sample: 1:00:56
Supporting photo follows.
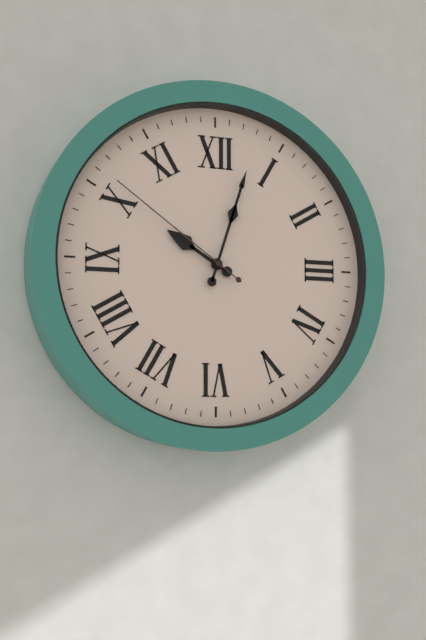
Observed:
10:03:51
